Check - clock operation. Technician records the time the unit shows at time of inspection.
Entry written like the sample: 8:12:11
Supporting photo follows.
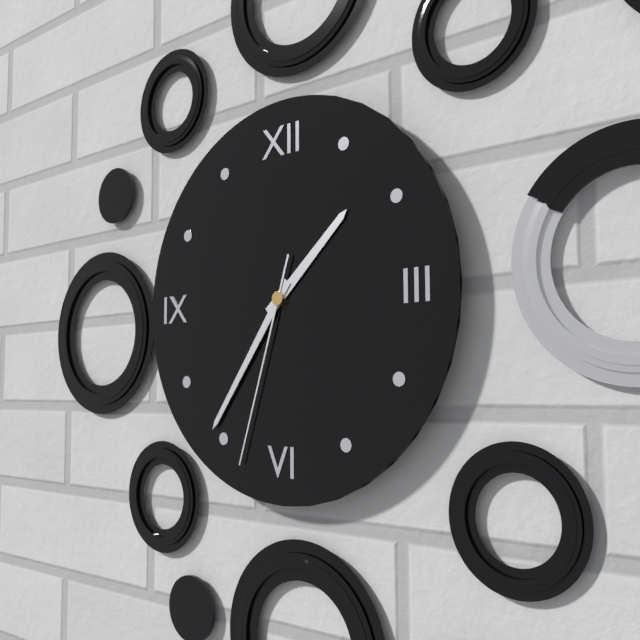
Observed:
1:36:33
